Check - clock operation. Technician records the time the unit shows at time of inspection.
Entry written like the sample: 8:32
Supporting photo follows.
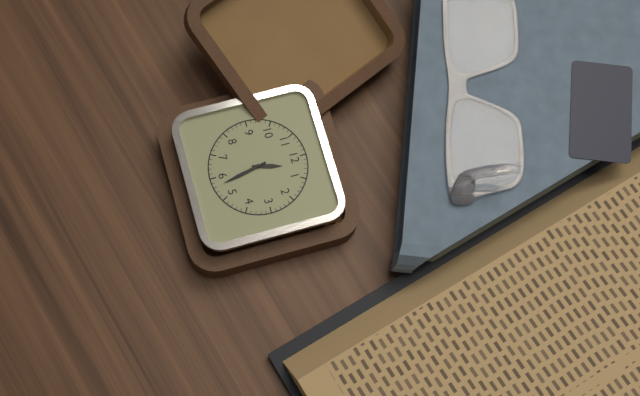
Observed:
12:28
